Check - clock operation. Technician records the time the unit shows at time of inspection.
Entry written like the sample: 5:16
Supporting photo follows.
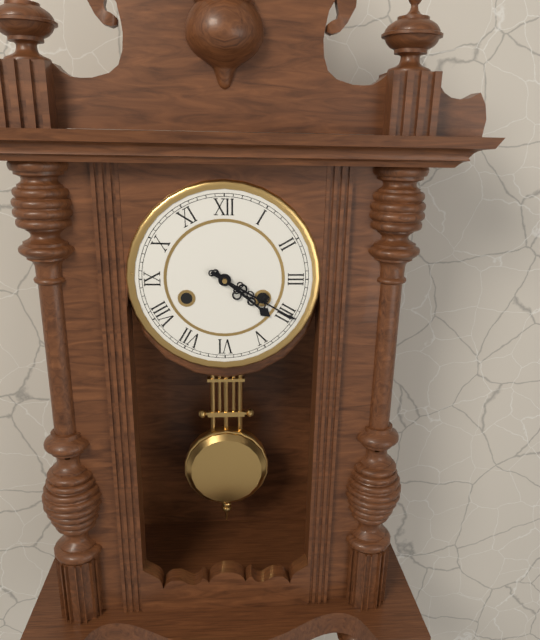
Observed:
4:20
